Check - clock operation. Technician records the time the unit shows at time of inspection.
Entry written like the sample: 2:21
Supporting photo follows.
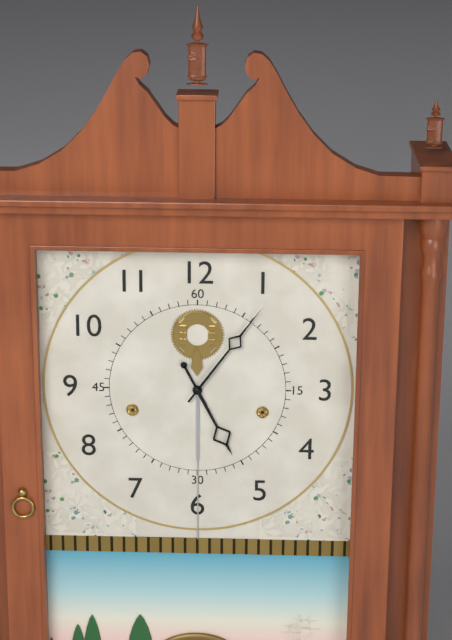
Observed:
5:06
